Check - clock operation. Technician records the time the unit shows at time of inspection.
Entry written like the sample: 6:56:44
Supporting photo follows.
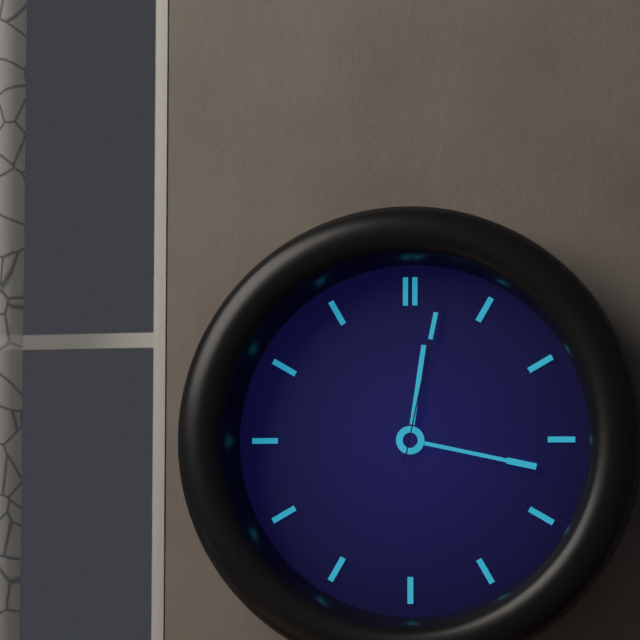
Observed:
12:17:02
